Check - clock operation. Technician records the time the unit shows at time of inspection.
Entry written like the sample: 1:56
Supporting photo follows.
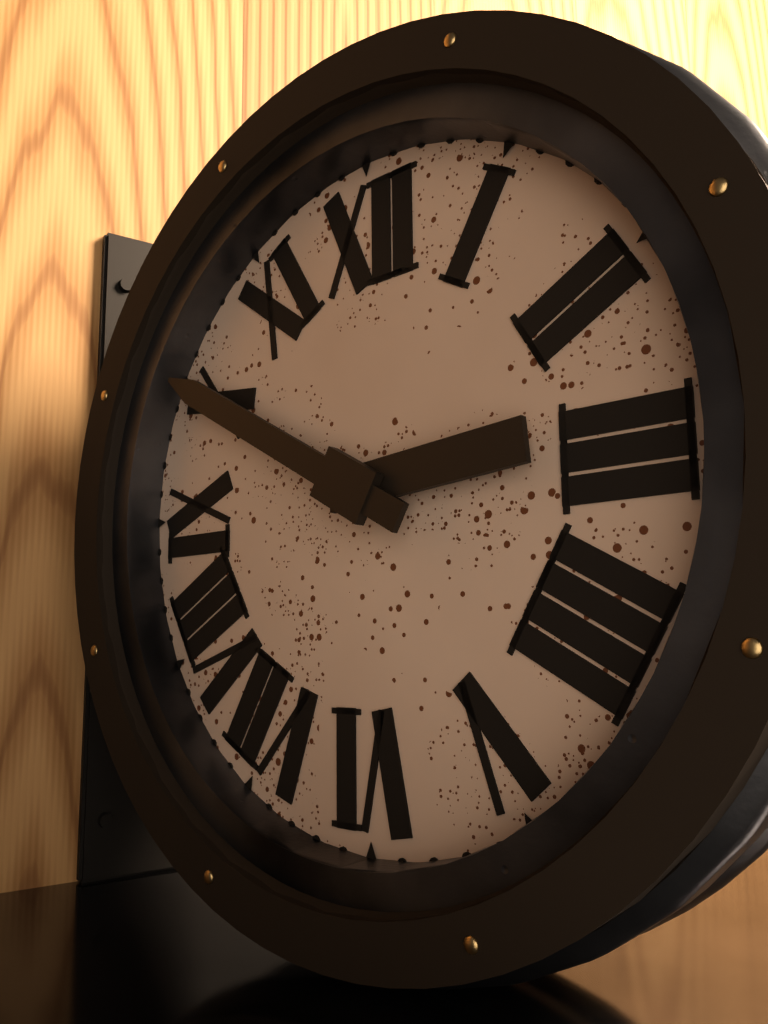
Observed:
2:50
